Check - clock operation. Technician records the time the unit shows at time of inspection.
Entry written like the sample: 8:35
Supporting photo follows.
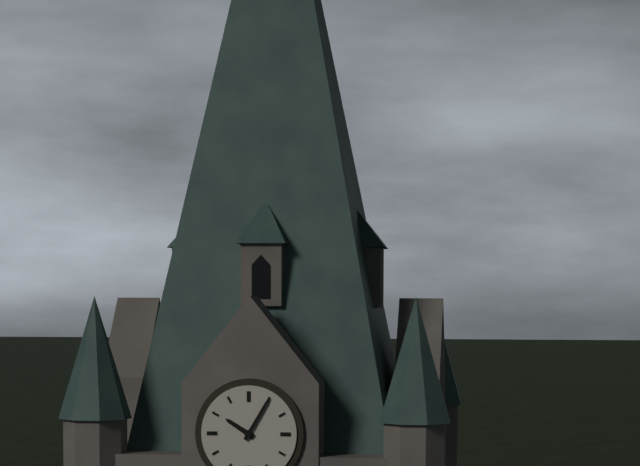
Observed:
10:05
